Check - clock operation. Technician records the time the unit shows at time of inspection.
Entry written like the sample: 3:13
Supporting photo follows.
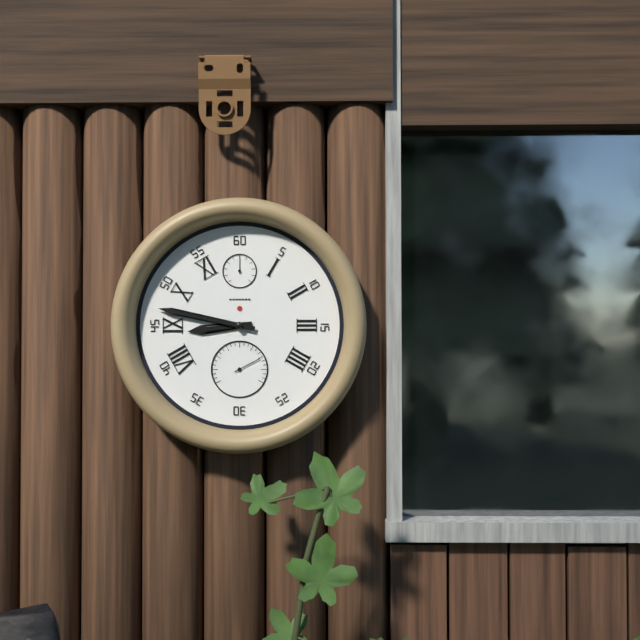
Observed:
8:47
